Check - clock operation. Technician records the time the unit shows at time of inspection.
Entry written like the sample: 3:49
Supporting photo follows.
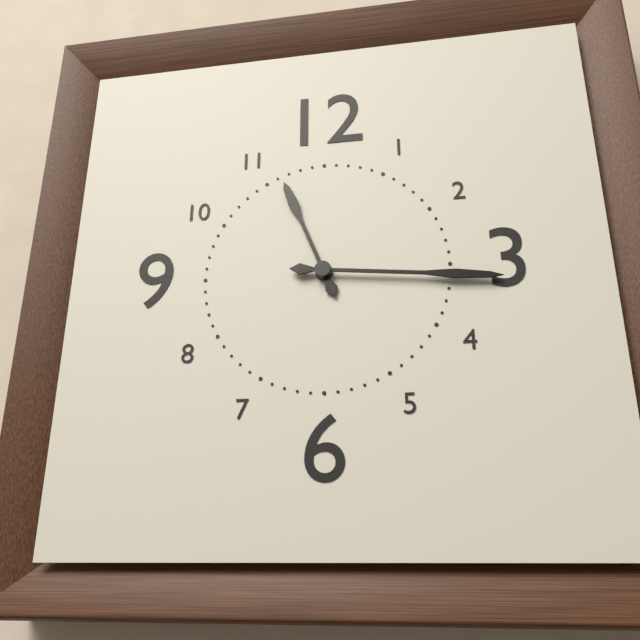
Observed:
11:16
